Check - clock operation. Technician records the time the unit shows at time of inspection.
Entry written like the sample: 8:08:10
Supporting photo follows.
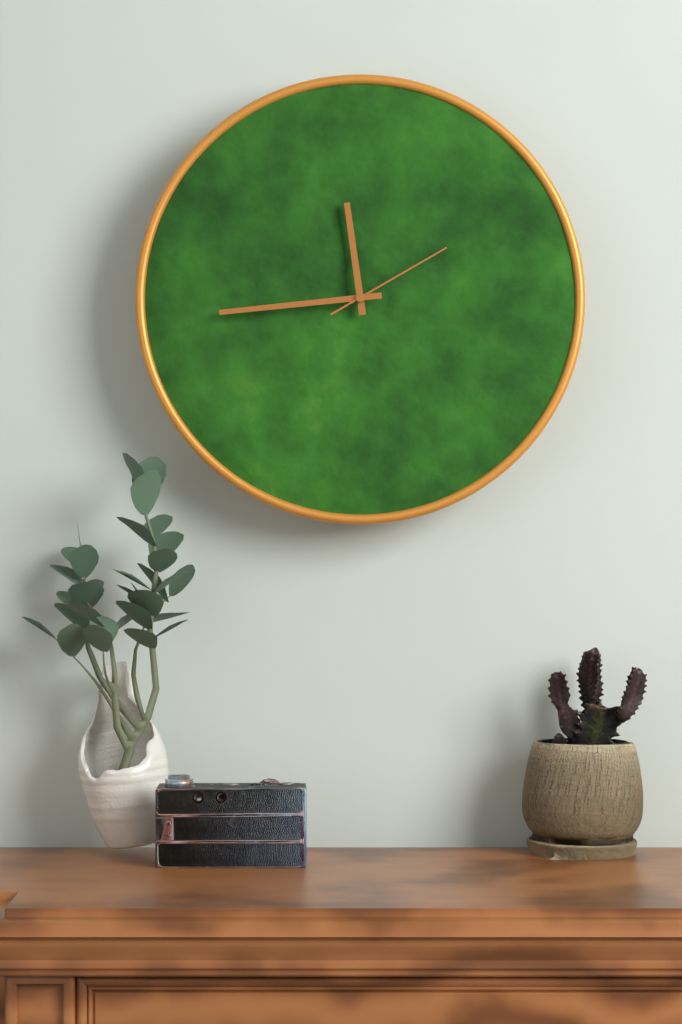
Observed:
11:44:10
